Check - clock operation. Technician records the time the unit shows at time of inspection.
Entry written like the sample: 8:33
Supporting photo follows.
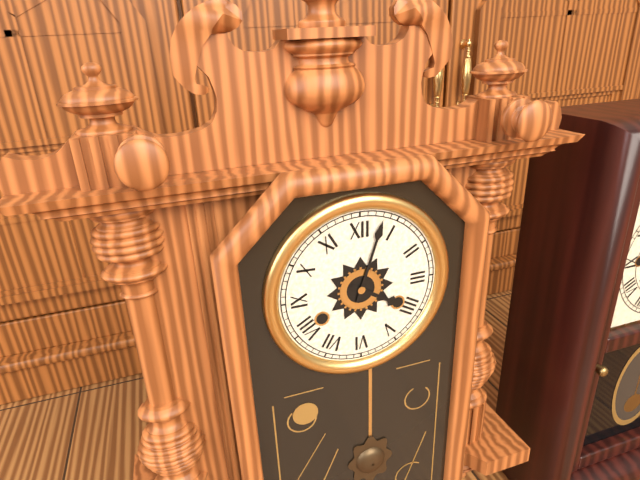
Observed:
4:03
